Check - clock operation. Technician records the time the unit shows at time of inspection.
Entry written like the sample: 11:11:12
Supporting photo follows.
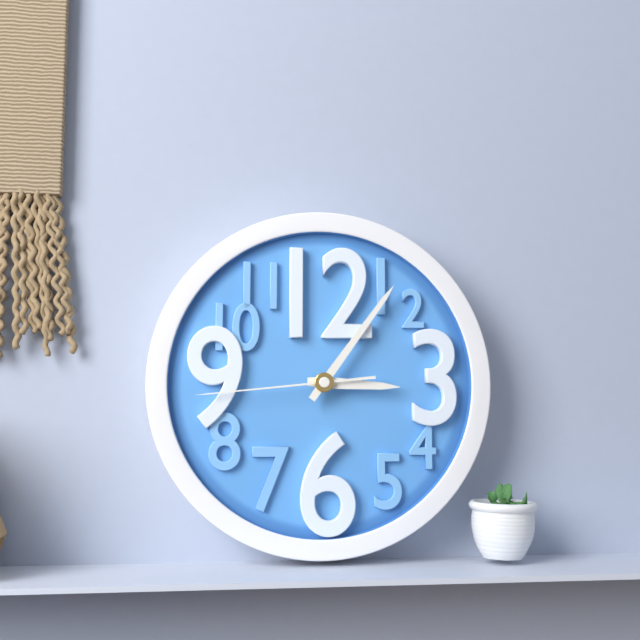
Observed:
3:06:44
